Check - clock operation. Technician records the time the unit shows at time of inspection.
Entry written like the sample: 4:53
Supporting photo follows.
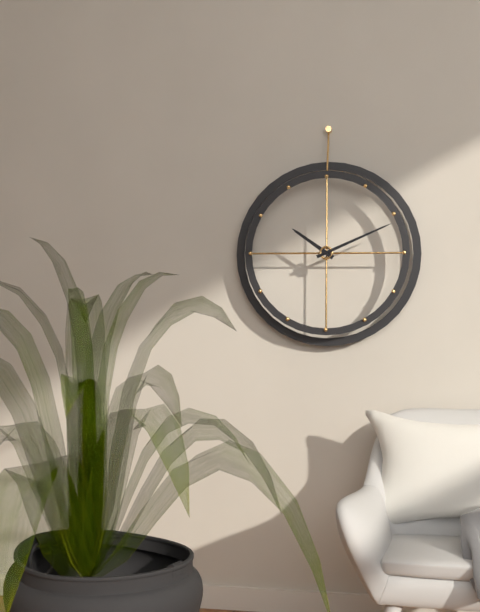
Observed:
10:11
